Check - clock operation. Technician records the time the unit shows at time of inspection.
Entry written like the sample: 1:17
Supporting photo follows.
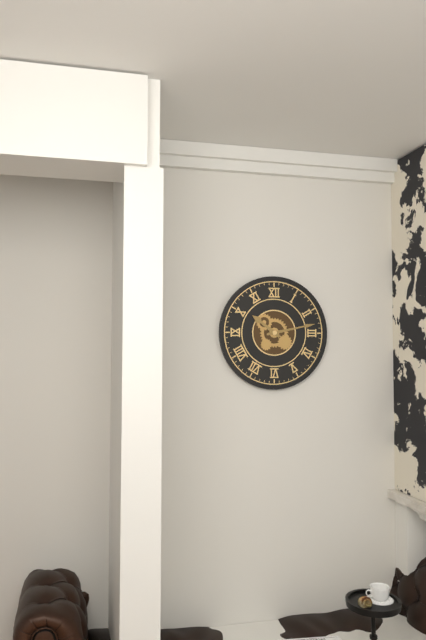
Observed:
10:13
